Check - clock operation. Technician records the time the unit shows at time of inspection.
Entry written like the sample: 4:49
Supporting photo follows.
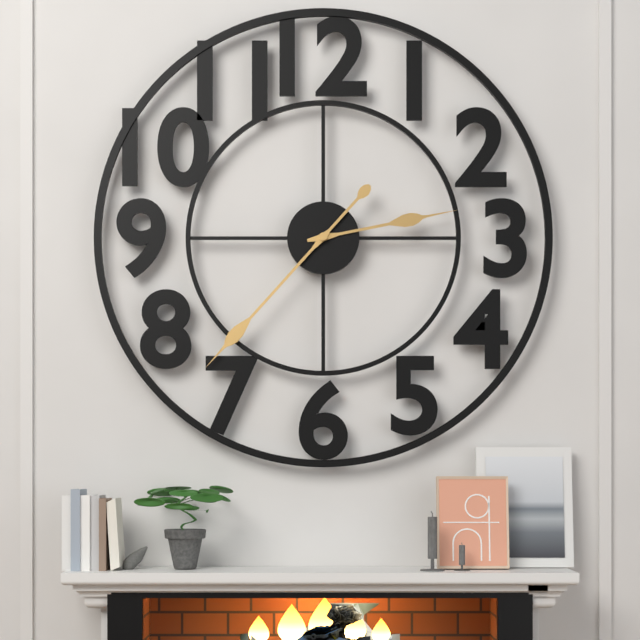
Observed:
2:37
